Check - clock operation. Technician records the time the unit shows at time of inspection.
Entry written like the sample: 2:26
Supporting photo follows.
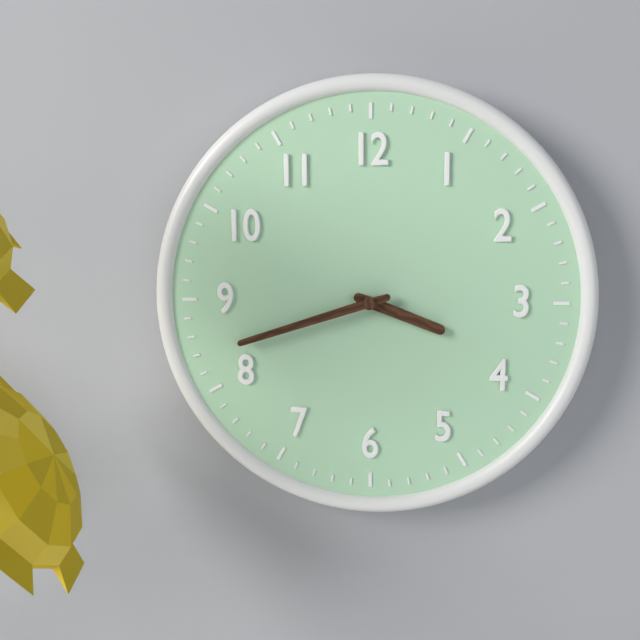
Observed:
3:42
